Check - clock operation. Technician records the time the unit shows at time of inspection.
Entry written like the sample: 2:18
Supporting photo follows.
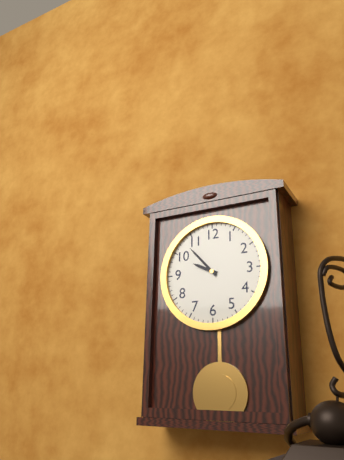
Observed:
9:53
